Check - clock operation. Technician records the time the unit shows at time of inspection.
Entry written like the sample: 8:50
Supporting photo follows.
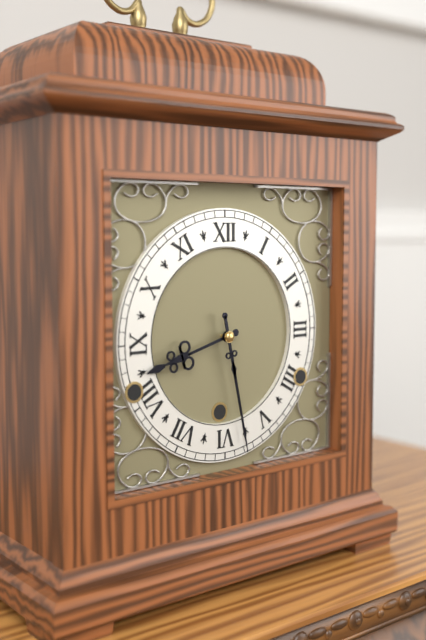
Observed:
8:28
